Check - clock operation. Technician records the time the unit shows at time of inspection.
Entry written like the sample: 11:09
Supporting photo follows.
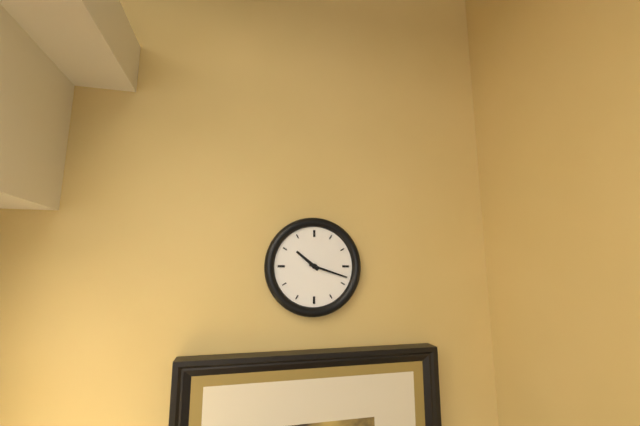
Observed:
10:18
